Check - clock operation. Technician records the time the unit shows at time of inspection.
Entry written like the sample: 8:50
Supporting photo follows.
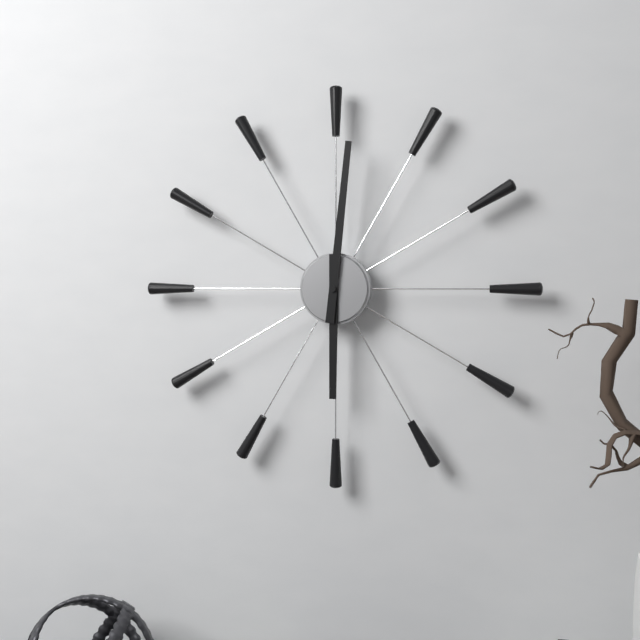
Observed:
6:01
